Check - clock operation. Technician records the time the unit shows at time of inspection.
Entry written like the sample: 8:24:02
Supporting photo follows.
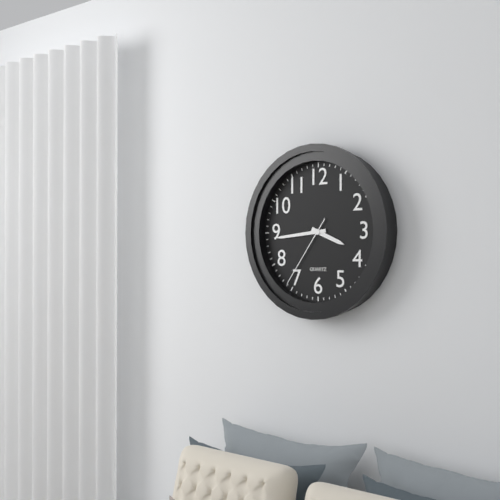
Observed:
3:44:36
